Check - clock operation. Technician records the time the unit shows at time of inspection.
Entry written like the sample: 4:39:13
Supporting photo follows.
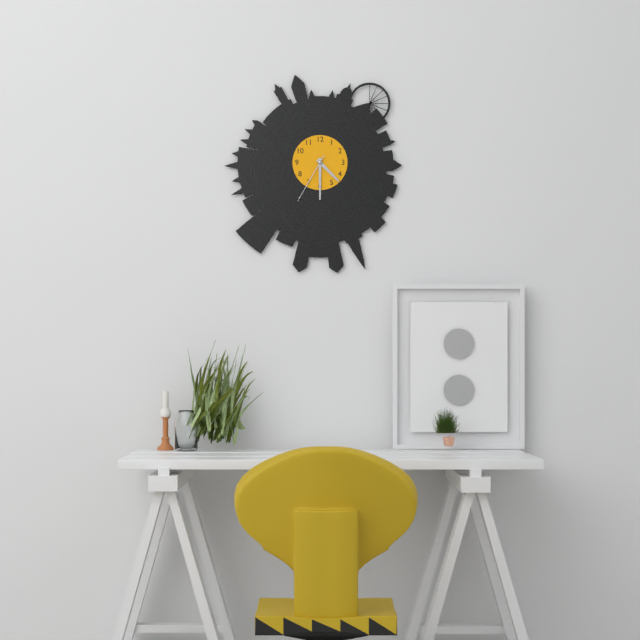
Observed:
4:30:35
